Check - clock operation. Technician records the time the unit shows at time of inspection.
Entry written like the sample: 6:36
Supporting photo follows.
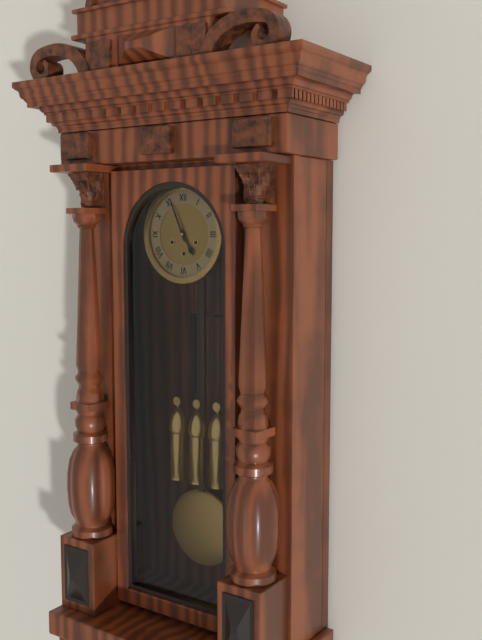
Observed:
4:56
